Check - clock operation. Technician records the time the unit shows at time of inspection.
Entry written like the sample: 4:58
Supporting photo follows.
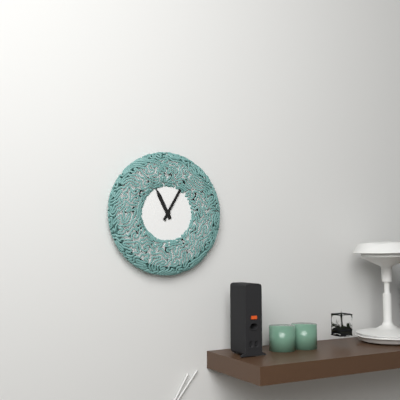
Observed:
11:05
